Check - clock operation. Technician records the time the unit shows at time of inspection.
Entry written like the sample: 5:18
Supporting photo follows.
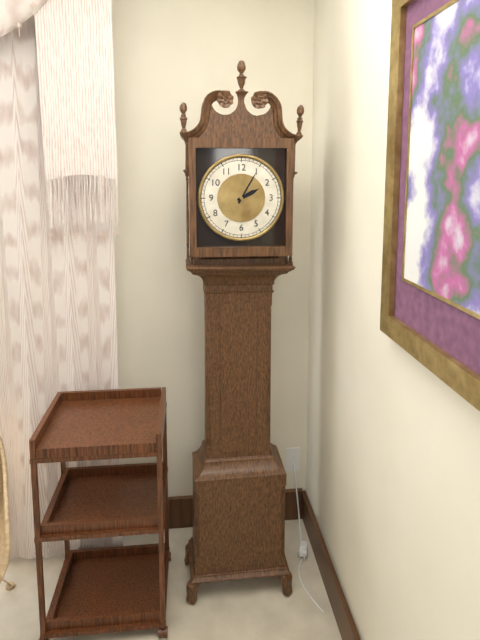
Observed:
2:05
